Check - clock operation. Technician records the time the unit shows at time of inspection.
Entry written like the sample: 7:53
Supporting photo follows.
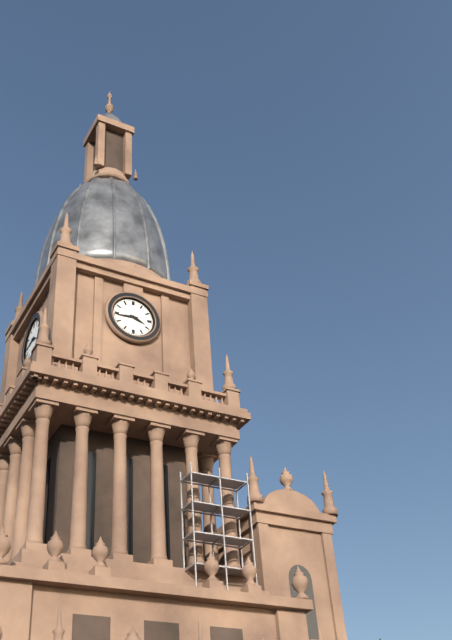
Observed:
3:44
